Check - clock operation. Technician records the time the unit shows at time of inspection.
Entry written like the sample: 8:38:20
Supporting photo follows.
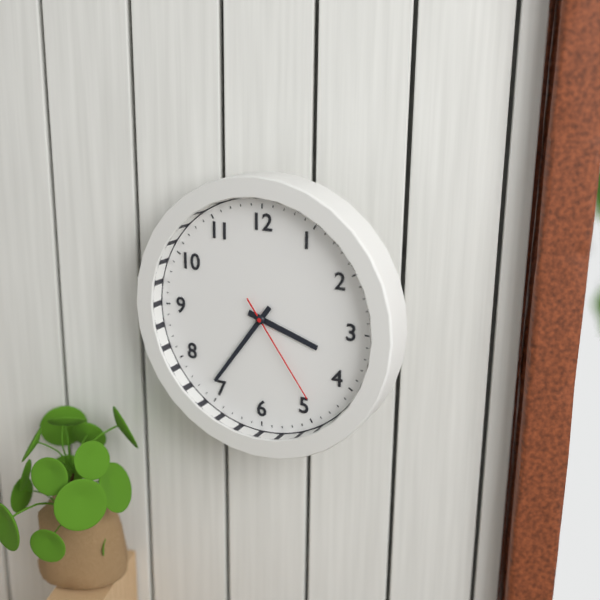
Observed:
3:36:24
